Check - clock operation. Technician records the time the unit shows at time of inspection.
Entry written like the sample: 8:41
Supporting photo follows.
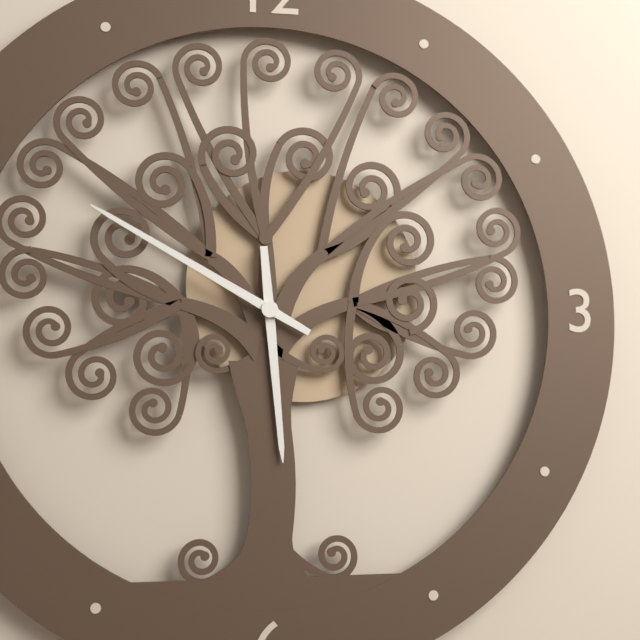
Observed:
5:50
